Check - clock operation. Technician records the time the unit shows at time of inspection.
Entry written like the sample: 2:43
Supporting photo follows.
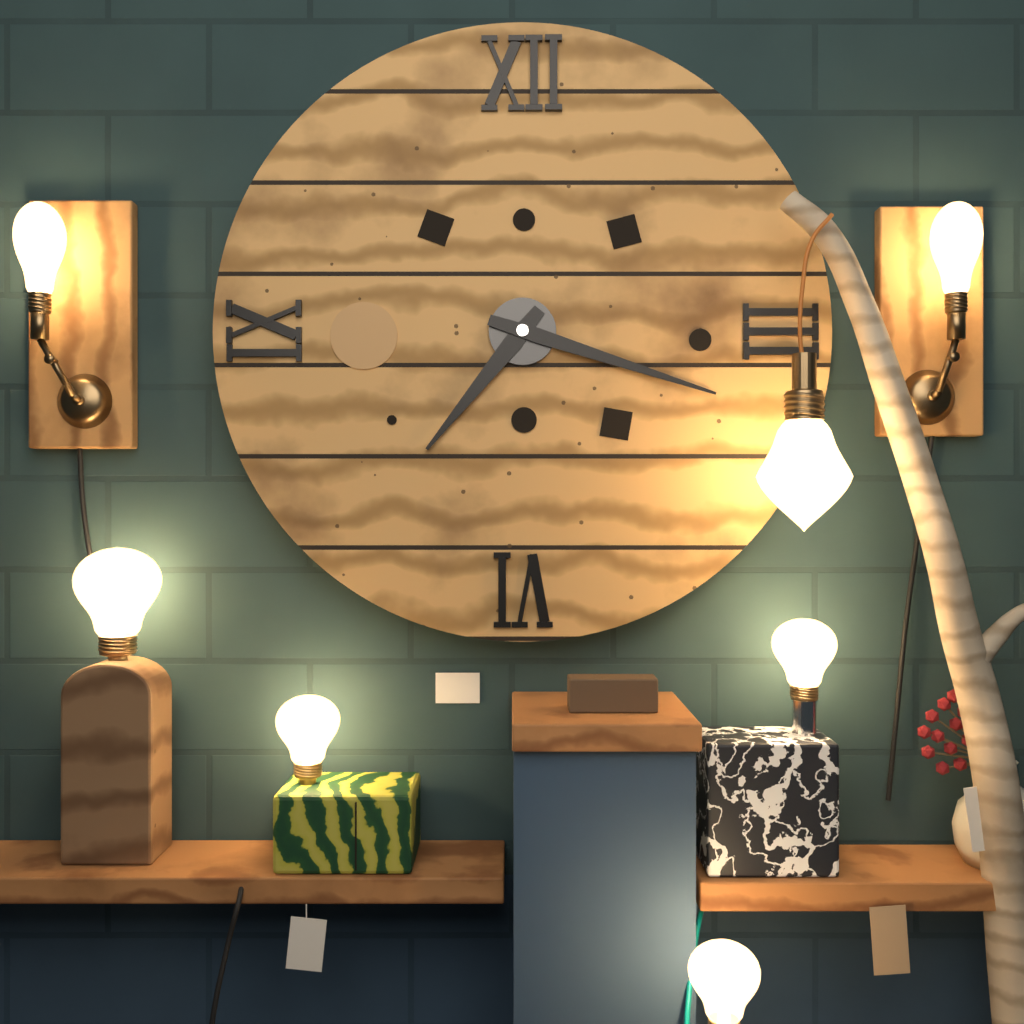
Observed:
7:18
